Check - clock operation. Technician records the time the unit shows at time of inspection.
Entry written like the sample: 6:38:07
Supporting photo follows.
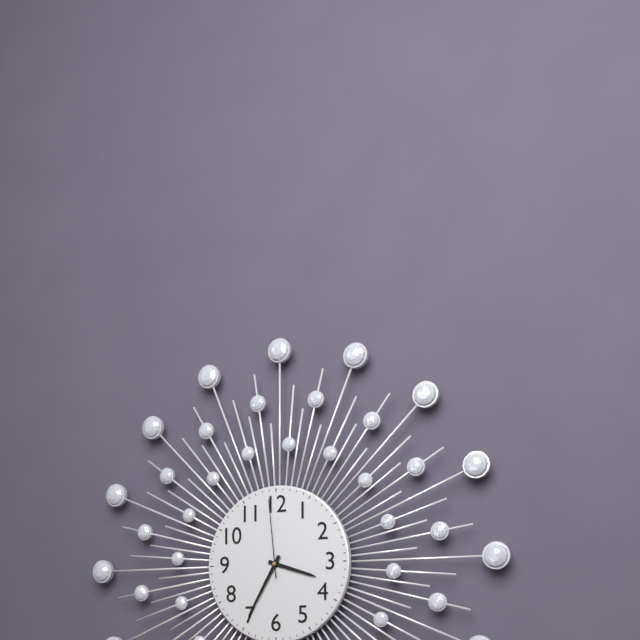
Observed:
3:35:59
